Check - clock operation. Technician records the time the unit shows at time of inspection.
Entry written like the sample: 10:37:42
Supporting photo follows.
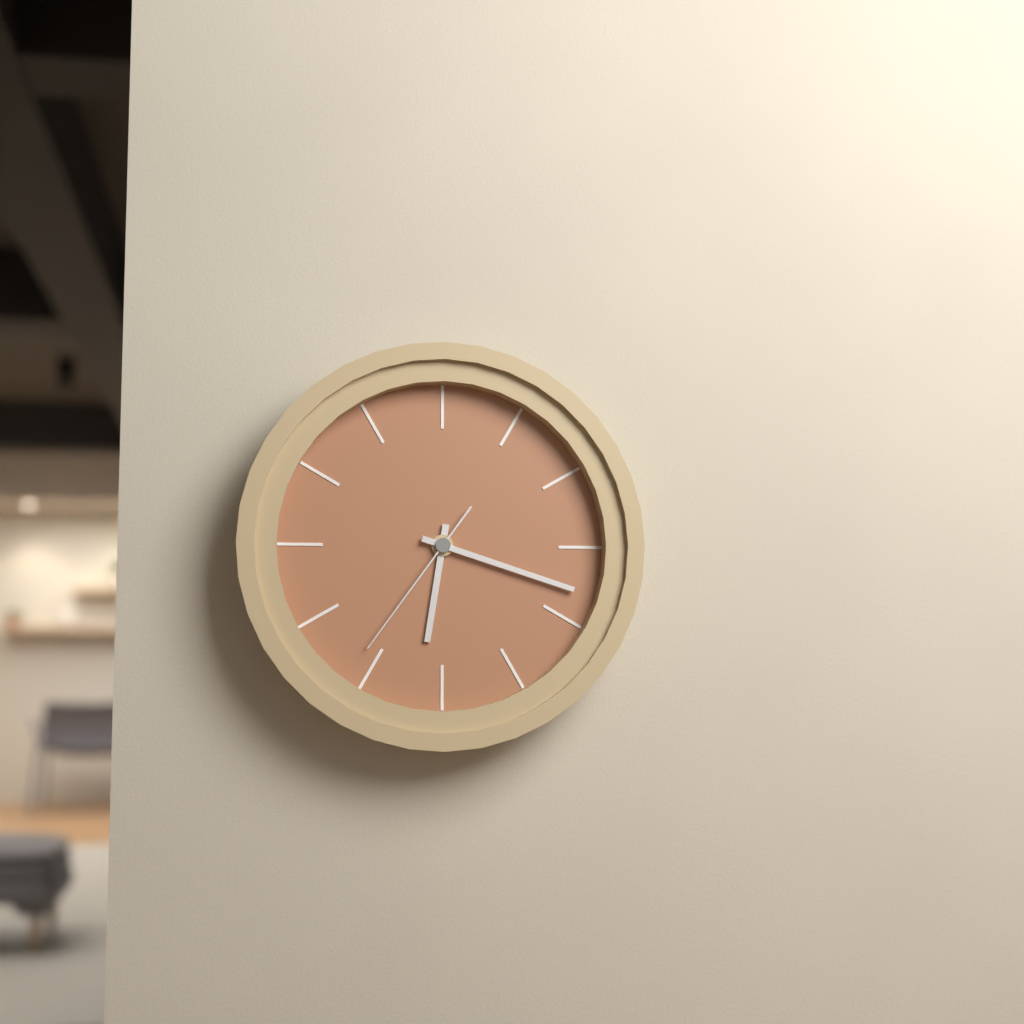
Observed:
6:18:36
